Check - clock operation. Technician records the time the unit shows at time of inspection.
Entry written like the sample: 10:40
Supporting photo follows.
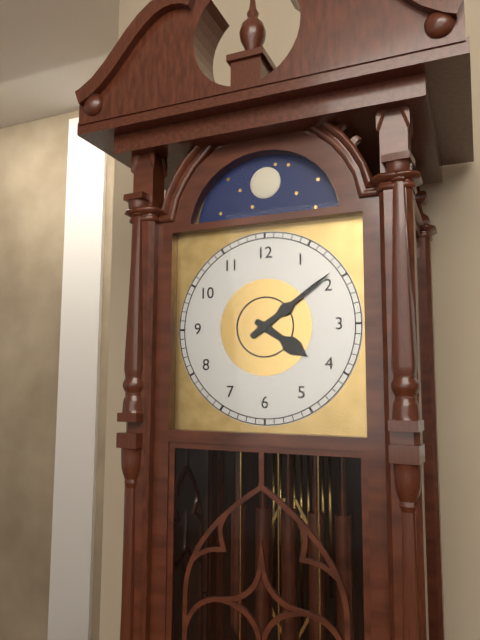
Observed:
4:09
